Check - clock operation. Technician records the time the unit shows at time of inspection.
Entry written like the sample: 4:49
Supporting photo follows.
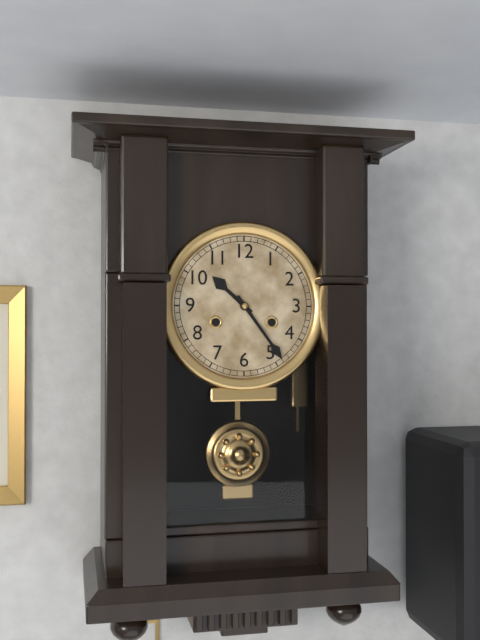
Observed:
10:24
